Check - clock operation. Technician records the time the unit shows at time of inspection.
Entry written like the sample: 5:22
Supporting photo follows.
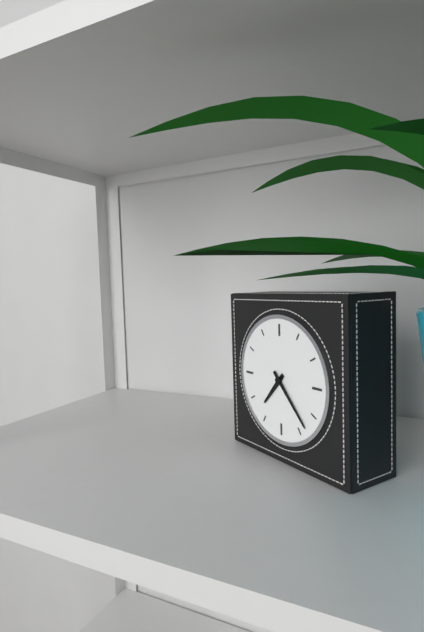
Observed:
7:23
